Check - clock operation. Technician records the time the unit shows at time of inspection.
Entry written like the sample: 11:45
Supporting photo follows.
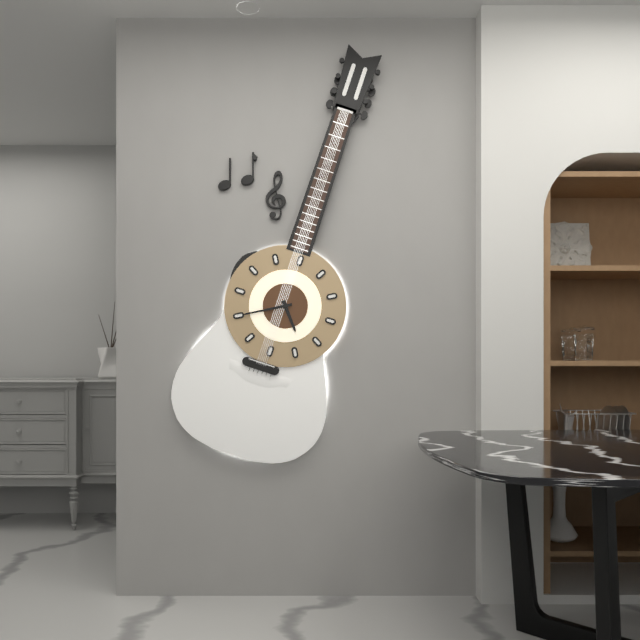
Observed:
4:40
